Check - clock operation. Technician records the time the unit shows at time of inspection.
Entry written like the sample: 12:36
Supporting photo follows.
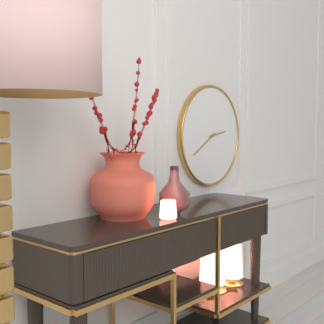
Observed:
2:40
